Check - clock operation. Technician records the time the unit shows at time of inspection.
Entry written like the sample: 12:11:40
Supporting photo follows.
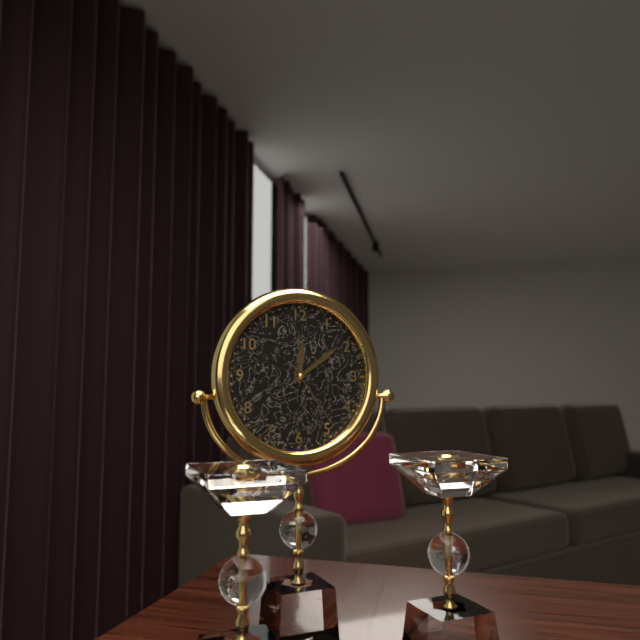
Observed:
12:09:24
